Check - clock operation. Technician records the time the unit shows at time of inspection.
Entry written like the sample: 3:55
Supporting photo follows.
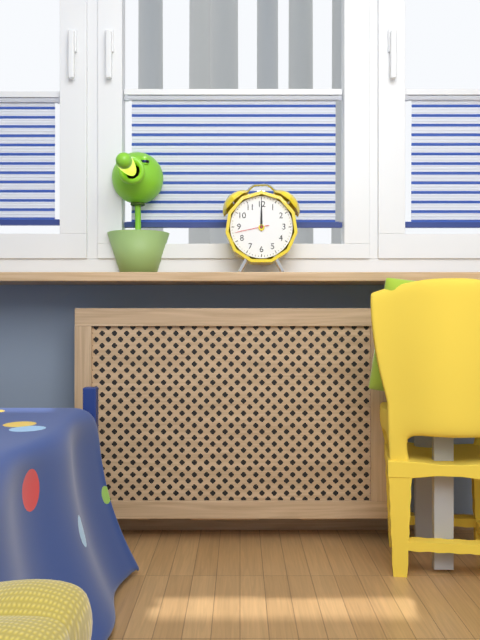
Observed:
12:00
